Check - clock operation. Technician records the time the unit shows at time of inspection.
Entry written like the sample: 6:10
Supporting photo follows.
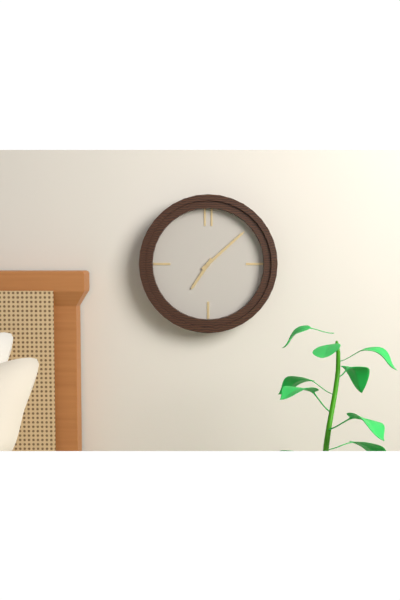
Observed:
7:08
